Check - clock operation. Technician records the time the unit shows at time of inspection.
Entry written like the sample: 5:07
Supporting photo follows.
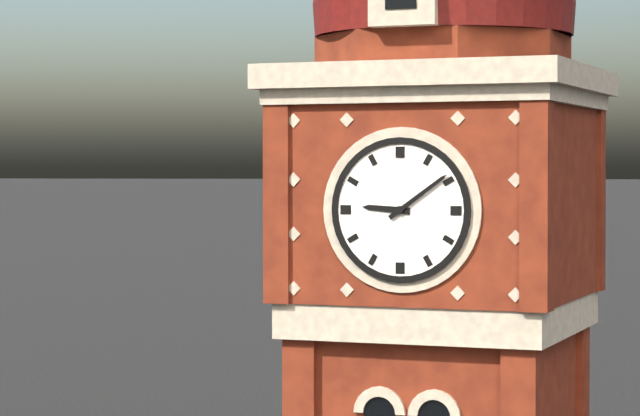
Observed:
9:09
